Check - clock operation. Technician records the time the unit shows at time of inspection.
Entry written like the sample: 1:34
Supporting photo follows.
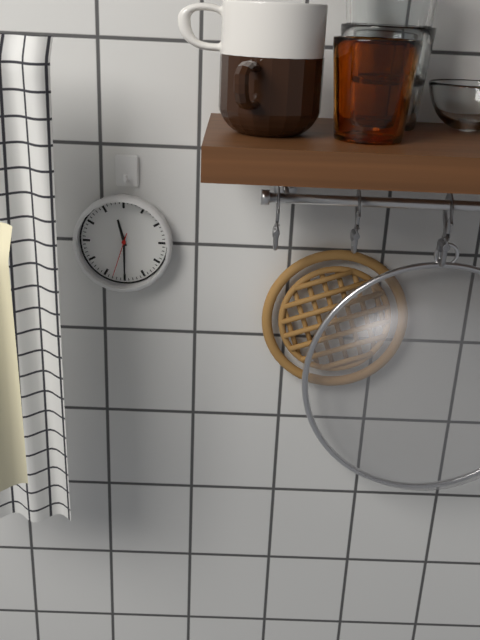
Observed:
11:30
